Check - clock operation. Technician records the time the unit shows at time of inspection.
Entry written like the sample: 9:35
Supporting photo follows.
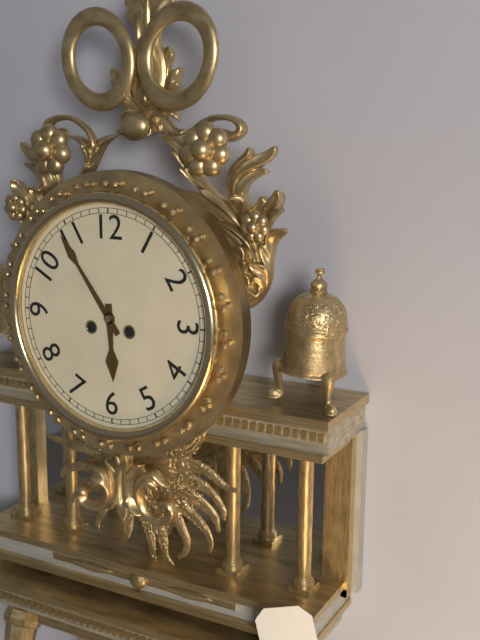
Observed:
5:54
